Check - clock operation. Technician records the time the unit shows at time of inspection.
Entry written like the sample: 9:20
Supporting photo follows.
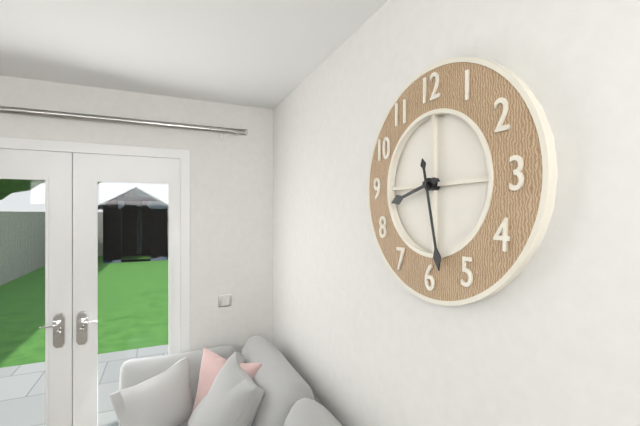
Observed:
8:28
